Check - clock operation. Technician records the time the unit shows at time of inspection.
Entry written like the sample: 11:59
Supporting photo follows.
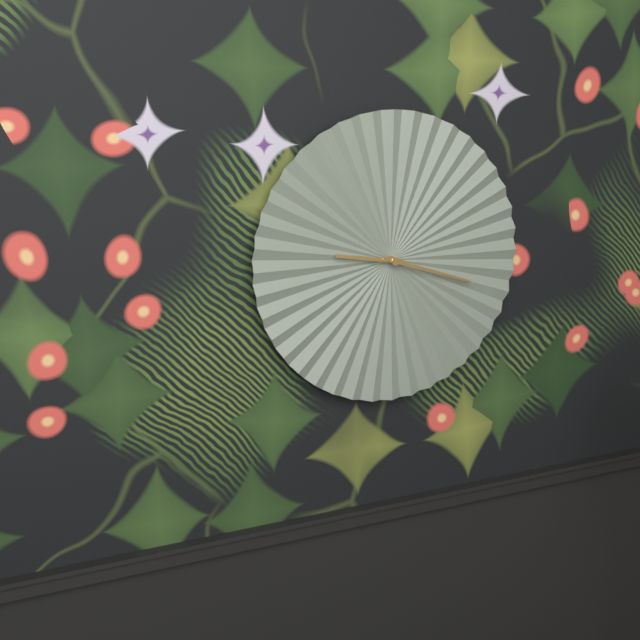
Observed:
9:18
